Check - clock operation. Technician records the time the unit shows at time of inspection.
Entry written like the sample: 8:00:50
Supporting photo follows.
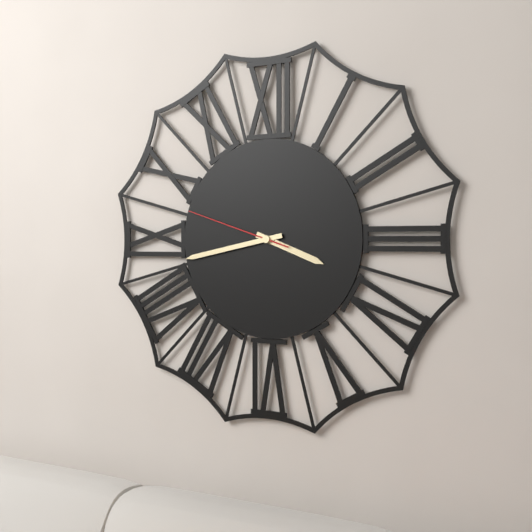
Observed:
3:43:48
